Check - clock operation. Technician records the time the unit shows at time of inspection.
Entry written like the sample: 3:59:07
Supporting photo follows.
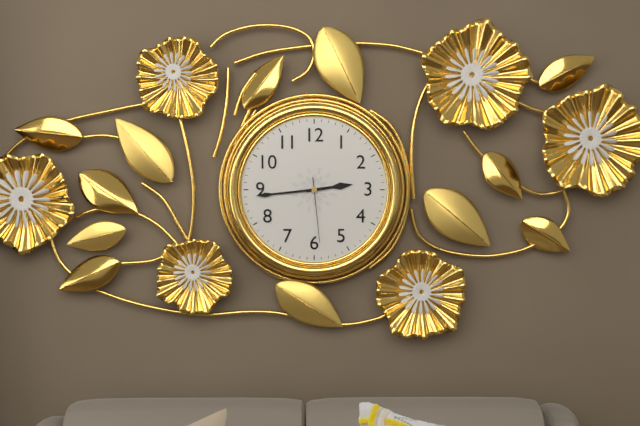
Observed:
2:44:29
